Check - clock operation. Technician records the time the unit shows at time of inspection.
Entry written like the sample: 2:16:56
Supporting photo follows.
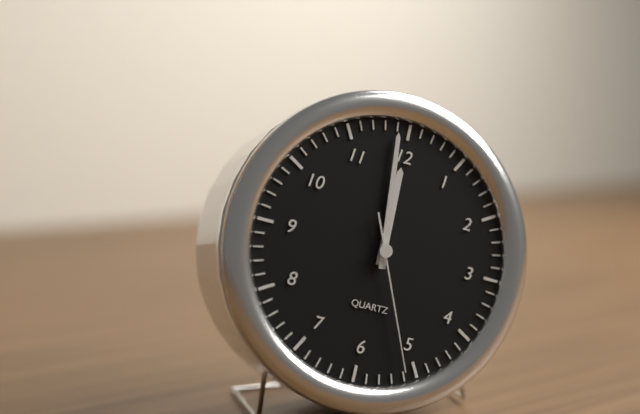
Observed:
11:59:26
